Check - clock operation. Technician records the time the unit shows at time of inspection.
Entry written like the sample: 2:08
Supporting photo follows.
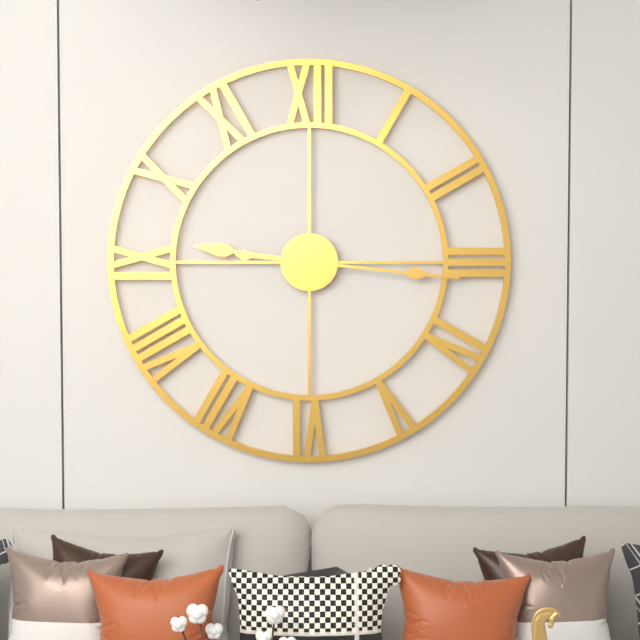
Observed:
9:16
